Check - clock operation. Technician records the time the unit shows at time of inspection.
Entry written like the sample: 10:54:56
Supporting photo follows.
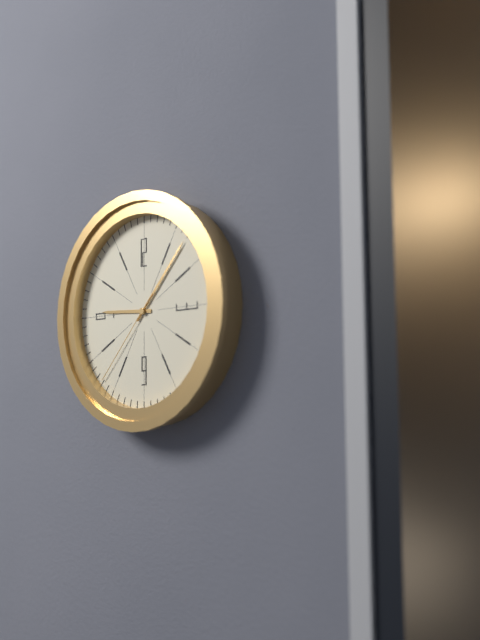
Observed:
9:07:37
